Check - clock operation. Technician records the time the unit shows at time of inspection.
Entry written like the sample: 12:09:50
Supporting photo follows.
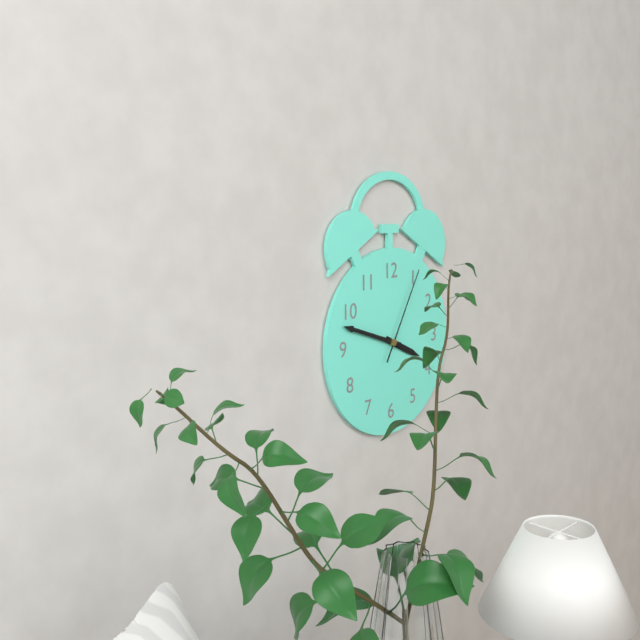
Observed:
3:48:05
